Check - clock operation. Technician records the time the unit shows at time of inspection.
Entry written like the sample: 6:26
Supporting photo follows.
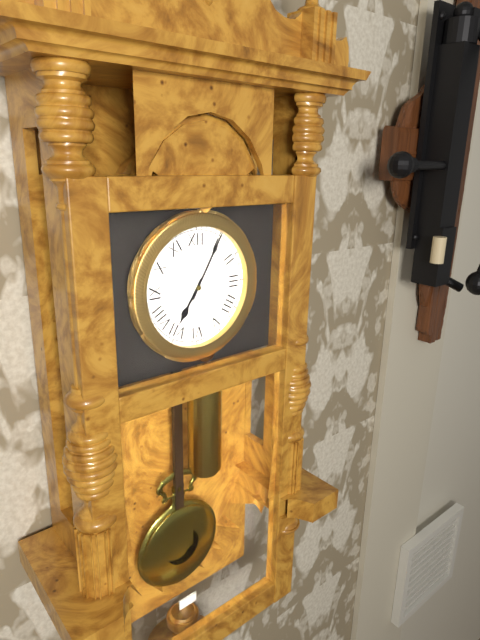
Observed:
7:05
